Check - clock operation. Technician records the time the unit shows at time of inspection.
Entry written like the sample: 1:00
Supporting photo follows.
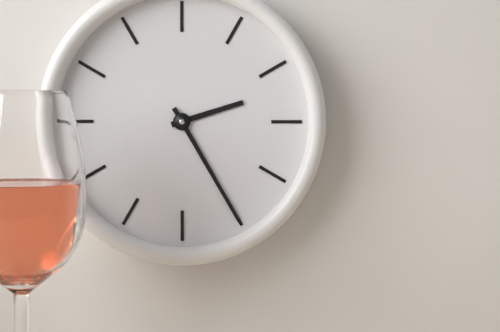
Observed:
2:25
